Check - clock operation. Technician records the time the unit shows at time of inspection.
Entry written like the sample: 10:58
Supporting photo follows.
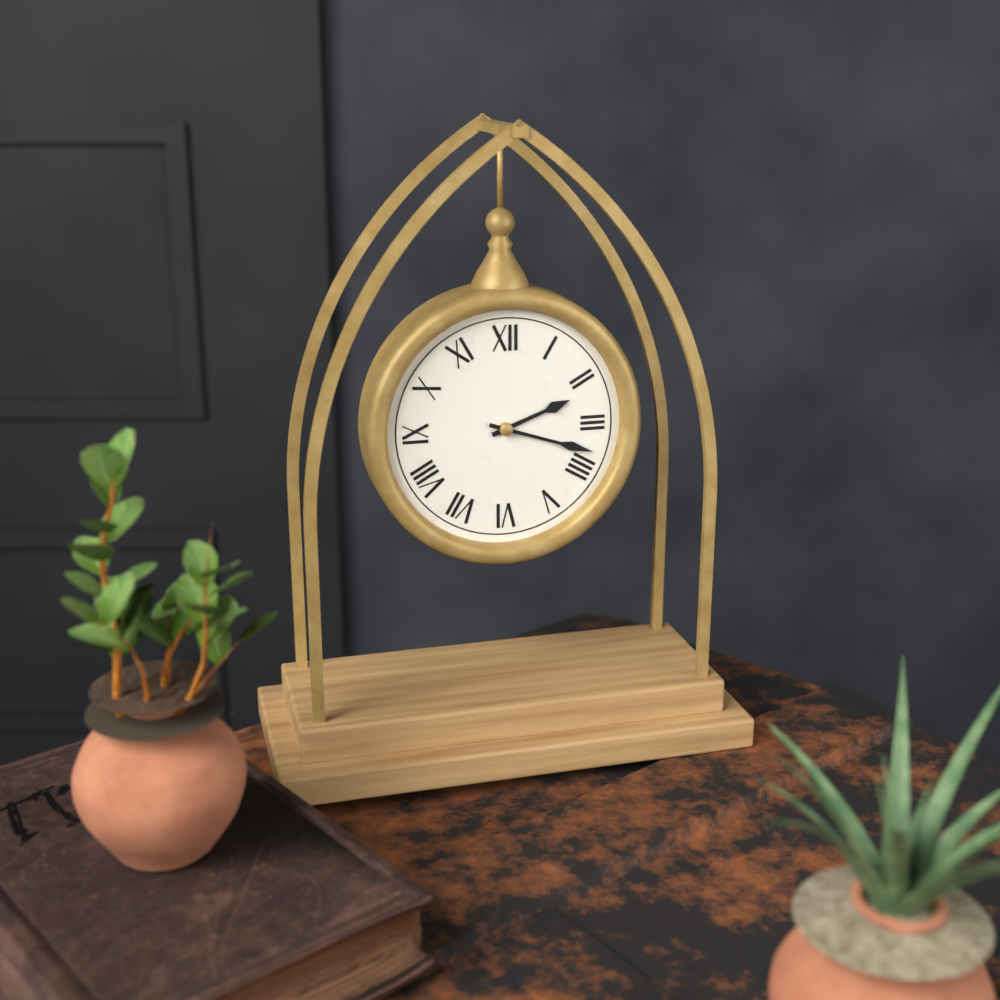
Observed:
2:18
